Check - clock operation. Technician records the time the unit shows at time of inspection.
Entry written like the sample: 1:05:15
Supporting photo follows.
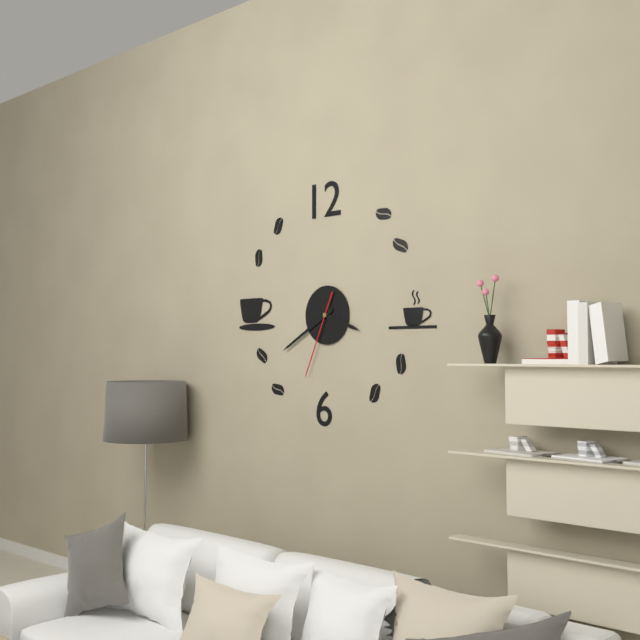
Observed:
3:40:34
